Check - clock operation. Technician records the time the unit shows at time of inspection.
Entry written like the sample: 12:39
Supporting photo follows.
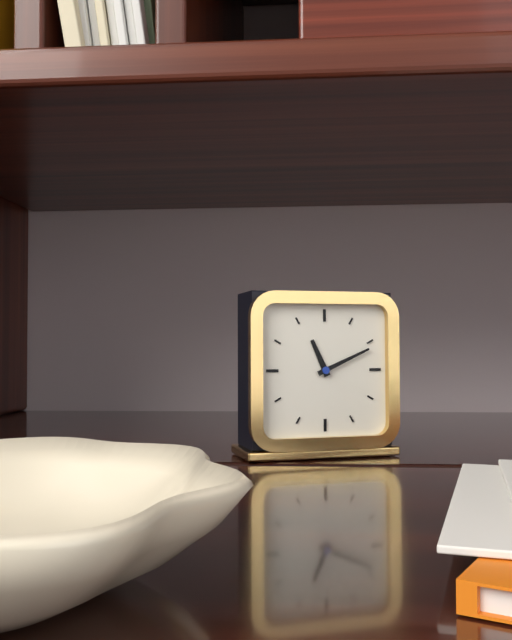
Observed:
11:11
